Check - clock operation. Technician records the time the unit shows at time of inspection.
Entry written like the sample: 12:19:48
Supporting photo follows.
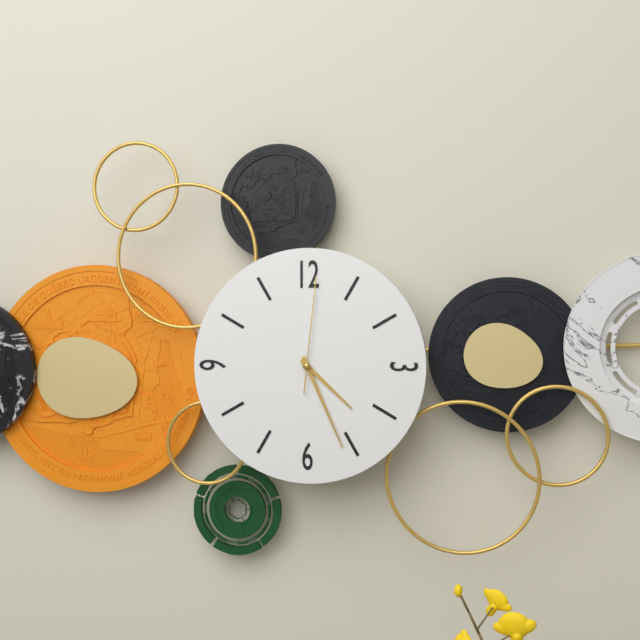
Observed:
4:26:01
